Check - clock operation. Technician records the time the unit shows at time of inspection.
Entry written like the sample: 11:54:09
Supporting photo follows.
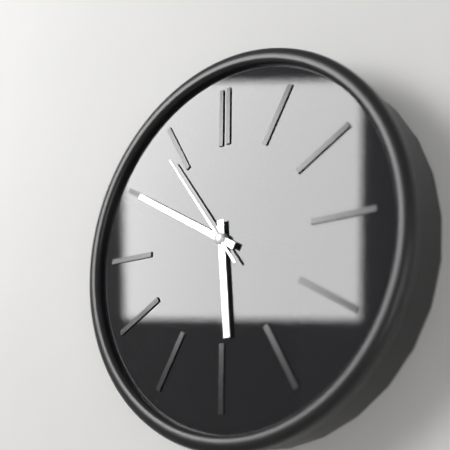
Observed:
5:50:54
